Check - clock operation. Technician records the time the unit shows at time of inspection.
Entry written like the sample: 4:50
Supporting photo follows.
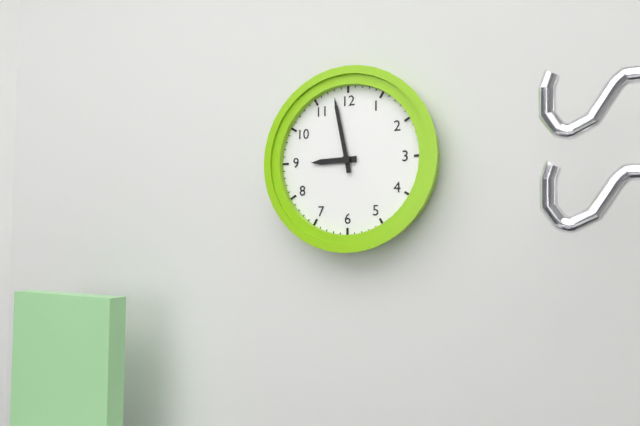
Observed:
8:58
